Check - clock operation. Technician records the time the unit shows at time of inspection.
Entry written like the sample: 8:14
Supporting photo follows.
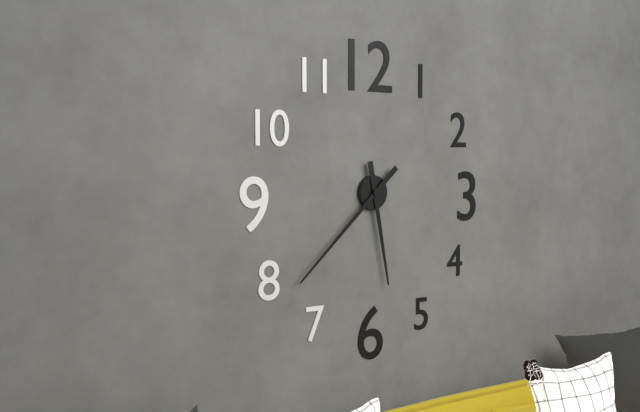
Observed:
5:38
